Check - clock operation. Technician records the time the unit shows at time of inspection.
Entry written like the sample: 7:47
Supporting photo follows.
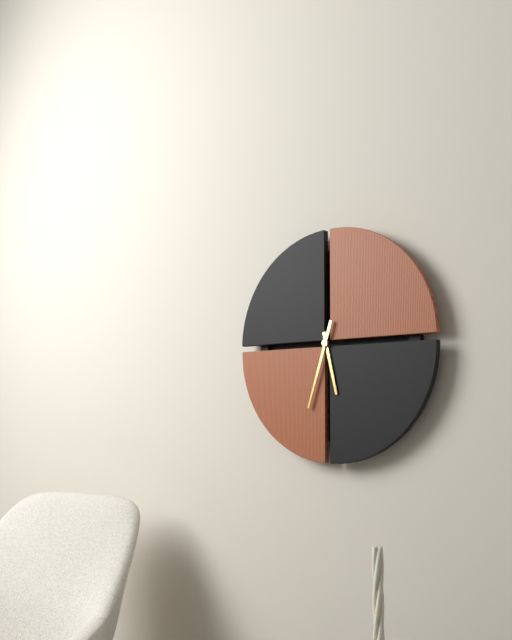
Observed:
5:33
